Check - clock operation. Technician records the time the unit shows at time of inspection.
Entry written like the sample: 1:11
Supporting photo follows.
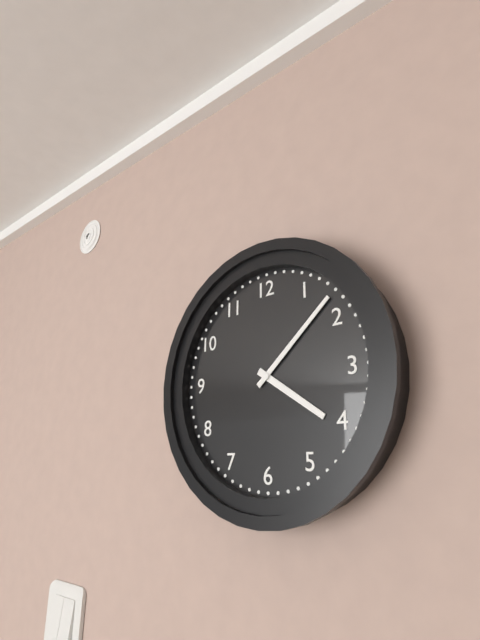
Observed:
4:08
